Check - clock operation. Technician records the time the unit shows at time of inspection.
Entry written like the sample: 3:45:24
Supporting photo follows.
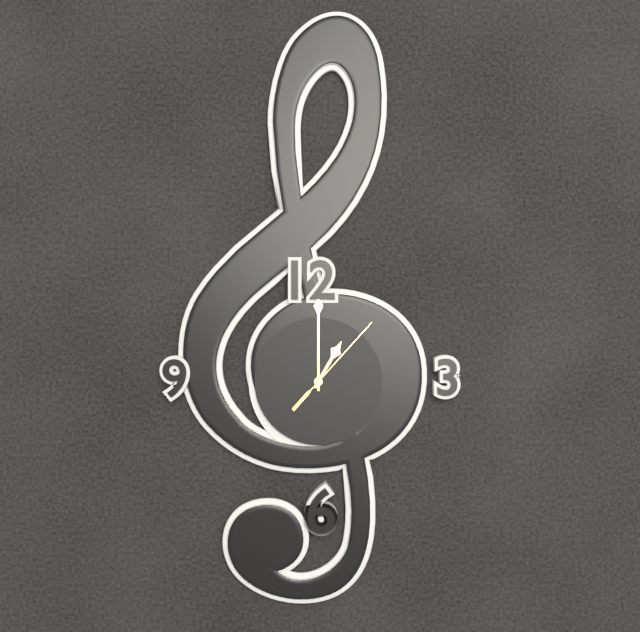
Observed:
1:00:07
